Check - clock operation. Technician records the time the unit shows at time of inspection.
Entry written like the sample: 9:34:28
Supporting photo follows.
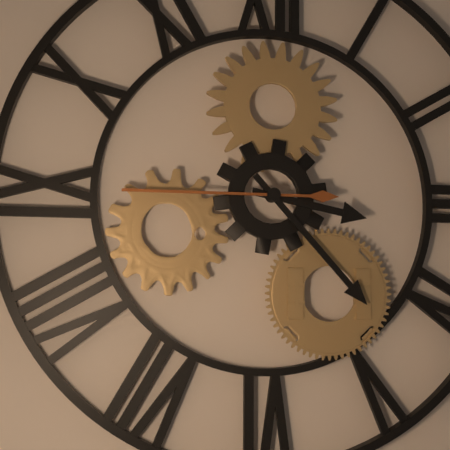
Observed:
3:23:45
